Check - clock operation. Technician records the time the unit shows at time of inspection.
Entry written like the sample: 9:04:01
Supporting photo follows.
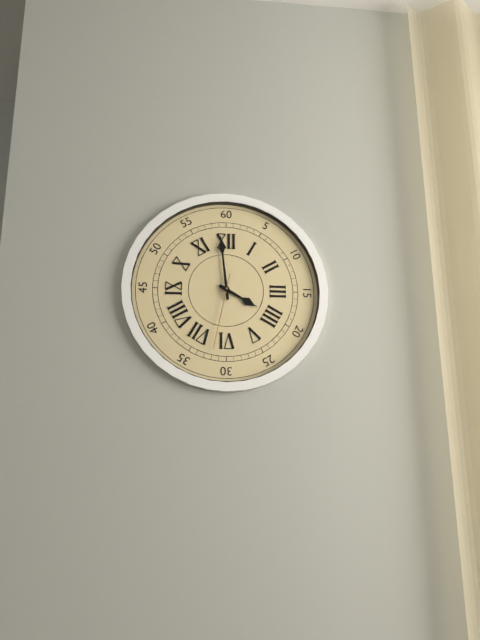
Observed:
3:59:32
